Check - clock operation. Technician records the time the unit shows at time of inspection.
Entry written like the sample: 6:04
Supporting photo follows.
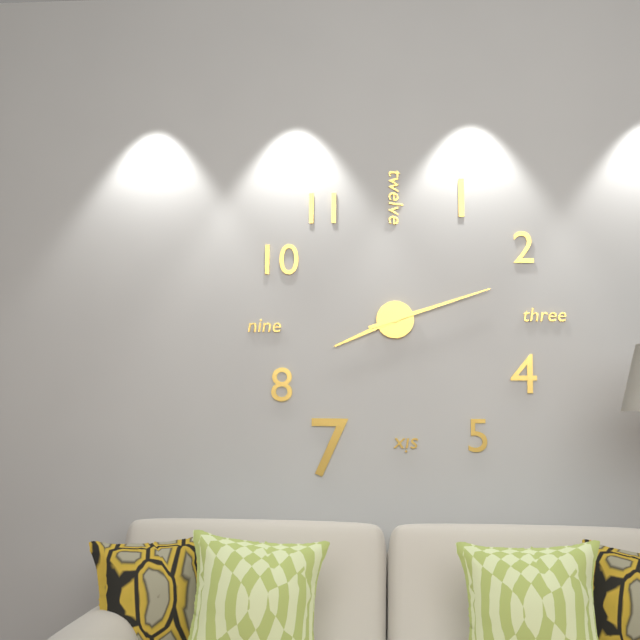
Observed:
8:12
